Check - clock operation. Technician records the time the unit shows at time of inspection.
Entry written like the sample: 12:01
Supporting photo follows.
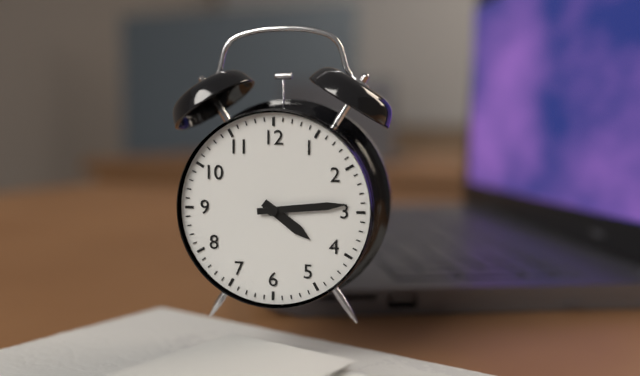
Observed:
4:14
